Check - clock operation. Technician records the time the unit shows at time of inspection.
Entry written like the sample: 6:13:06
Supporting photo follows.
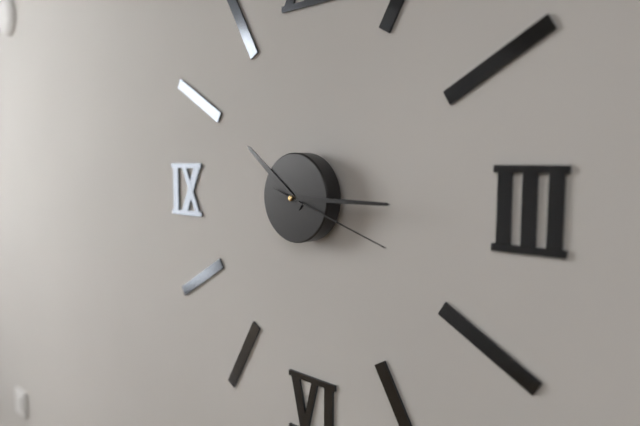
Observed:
10:15:18
